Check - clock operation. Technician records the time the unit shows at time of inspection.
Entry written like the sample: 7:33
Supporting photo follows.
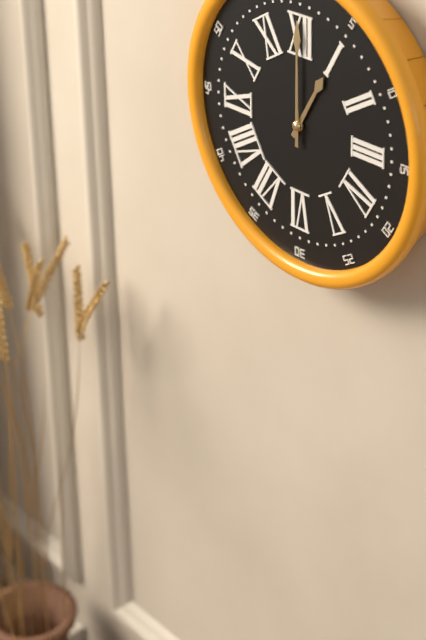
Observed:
1:00
